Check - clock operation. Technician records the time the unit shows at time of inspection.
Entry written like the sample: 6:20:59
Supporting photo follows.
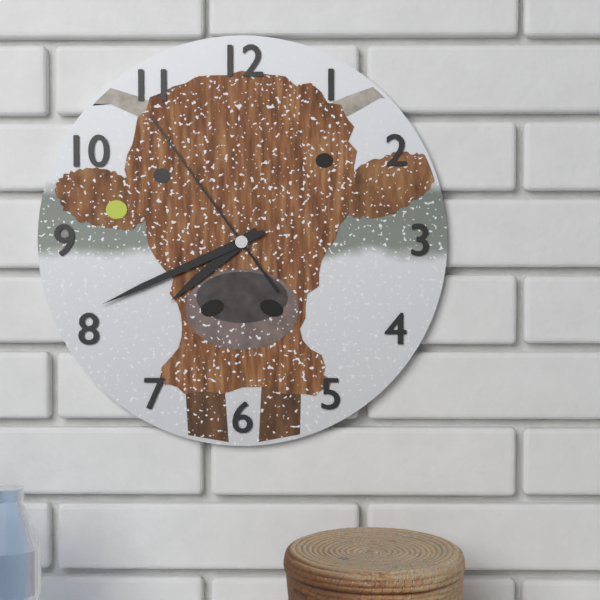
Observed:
7:41:54
